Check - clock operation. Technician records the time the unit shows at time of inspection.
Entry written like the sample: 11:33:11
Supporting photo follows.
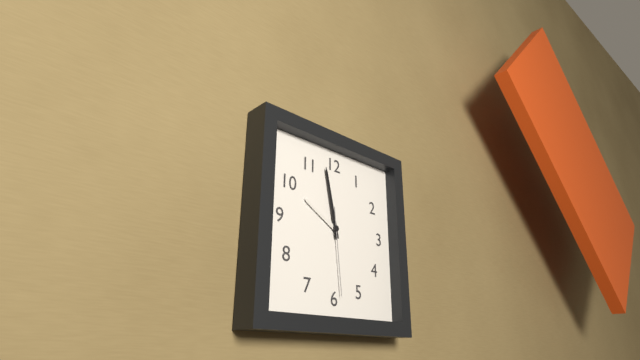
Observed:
9:58:29
